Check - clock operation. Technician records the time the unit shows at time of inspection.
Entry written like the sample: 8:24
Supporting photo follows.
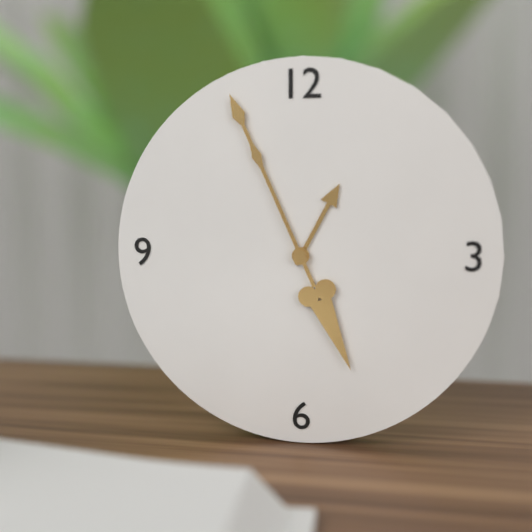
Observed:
12:56
